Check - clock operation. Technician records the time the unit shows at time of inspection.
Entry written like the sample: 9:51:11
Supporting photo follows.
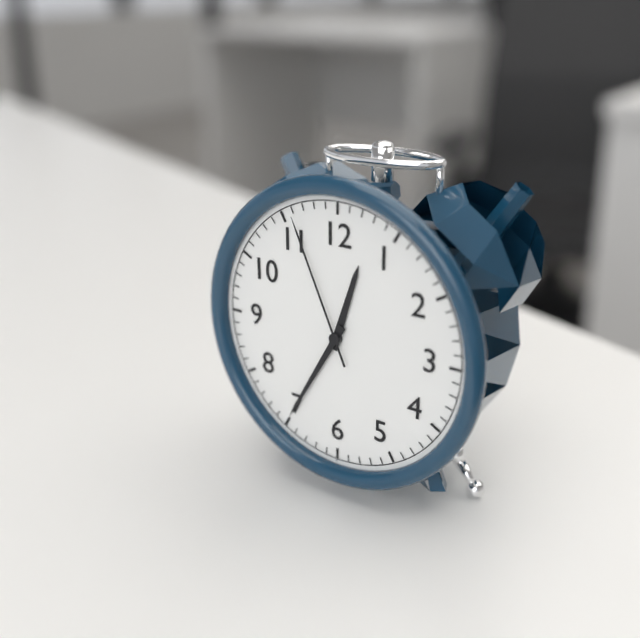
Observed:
12:35:56
